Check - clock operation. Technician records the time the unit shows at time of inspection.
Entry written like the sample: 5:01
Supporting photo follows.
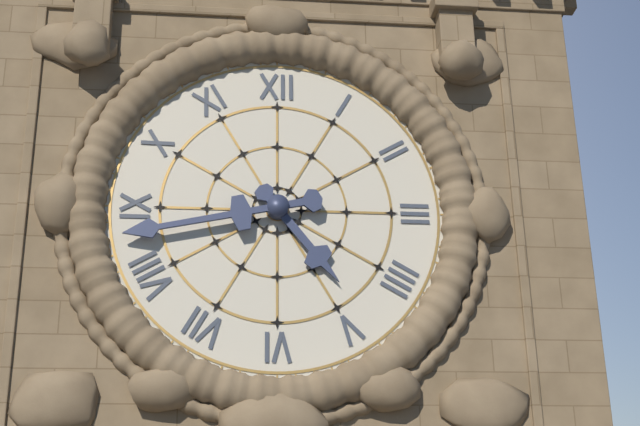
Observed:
4:43
